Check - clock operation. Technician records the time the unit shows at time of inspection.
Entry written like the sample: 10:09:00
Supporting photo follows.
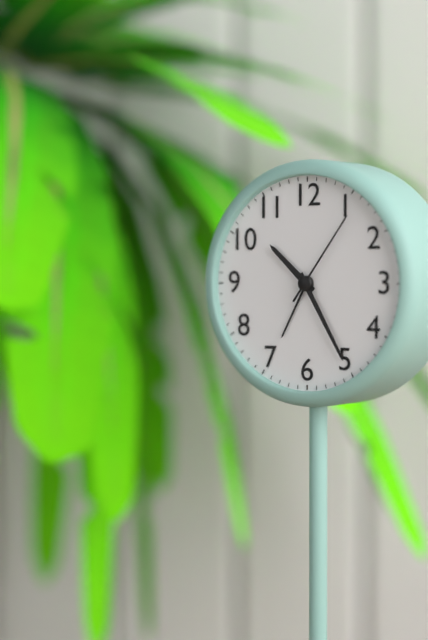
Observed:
10:25:06
